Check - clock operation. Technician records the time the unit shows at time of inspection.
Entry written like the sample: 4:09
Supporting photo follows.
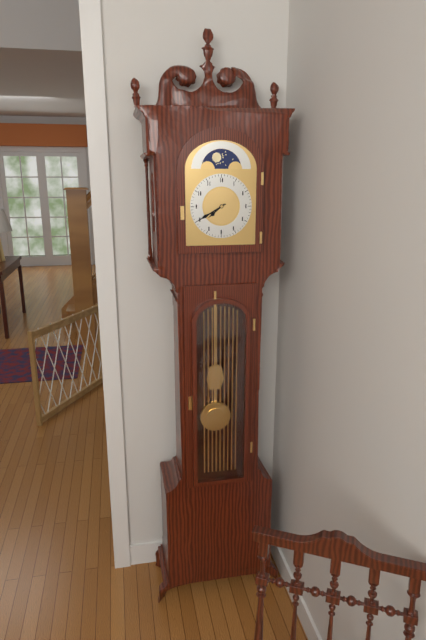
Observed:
7:40
